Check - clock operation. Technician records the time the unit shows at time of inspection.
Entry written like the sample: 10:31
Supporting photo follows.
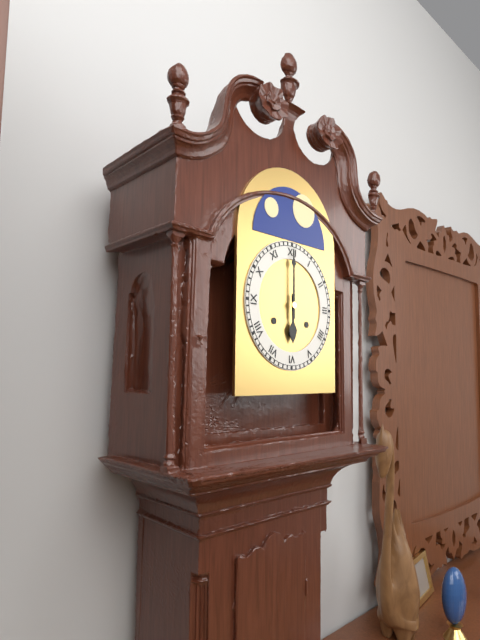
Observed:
6:00
